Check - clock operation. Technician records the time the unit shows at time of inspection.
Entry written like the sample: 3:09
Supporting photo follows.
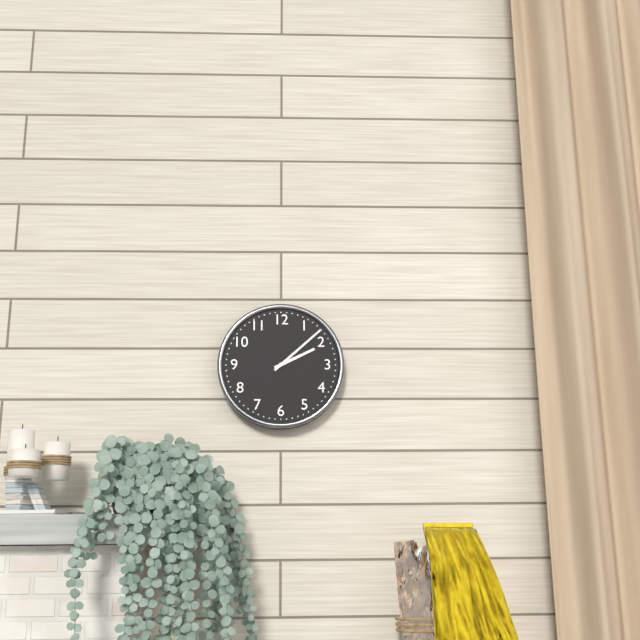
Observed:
2:08
